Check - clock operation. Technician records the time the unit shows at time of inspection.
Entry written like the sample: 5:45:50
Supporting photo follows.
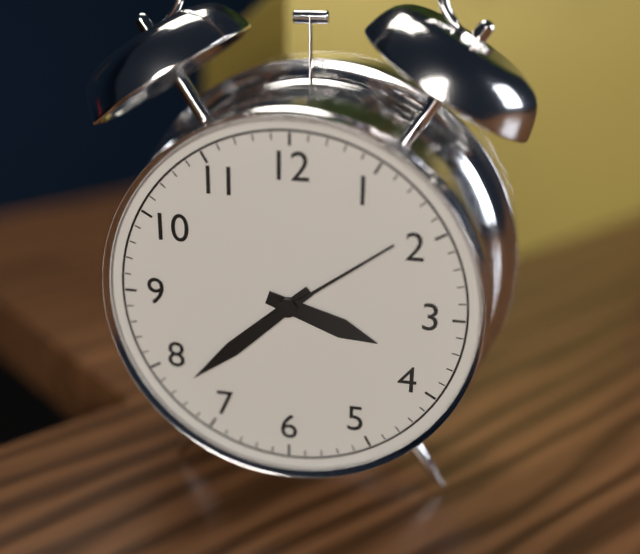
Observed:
3:38:09
